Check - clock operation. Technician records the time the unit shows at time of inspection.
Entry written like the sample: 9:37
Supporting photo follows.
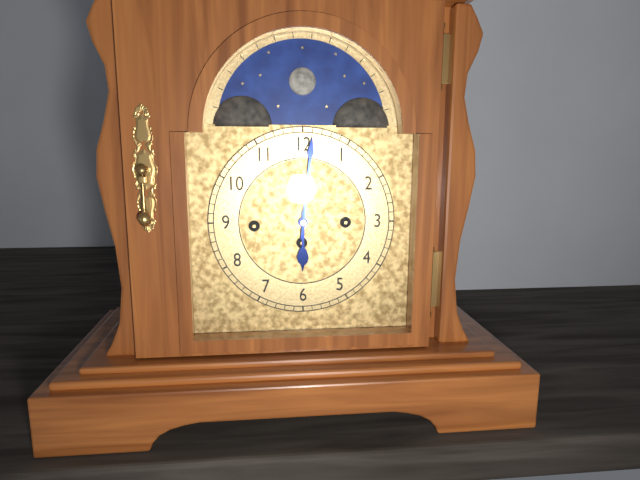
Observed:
6:01
